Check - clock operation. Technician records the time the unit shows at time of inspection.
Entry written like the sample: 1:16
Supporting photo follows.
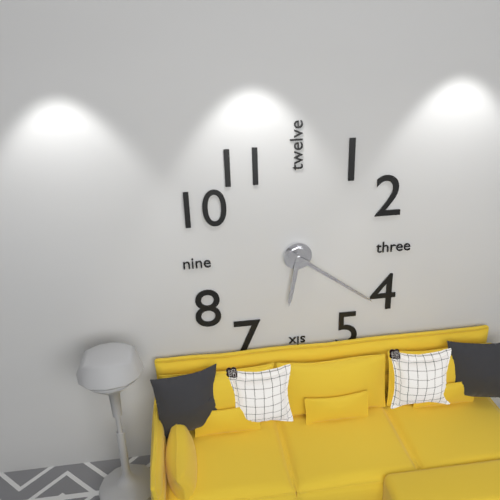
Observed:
6:21
